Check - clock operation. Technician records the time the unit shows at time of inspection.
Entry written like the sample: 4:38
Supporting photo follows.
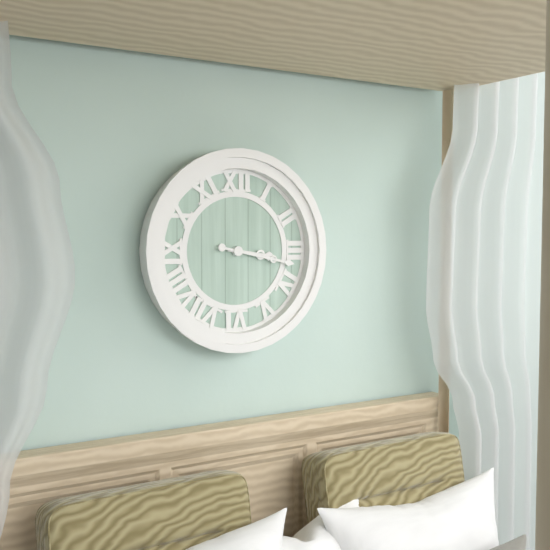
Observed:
3:17
